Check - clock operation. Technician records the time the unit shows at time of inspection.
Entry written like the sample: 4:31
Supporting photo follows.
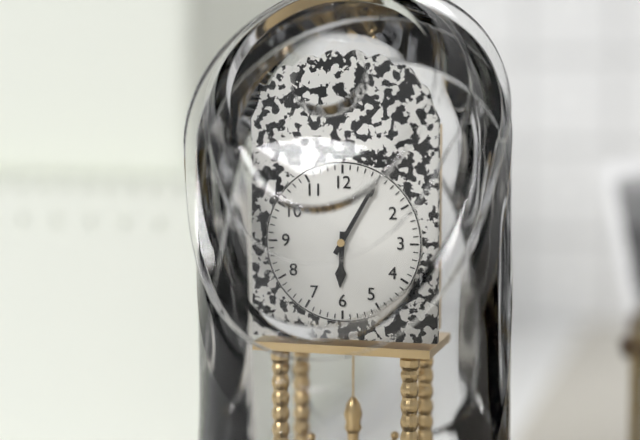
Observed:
6:05
